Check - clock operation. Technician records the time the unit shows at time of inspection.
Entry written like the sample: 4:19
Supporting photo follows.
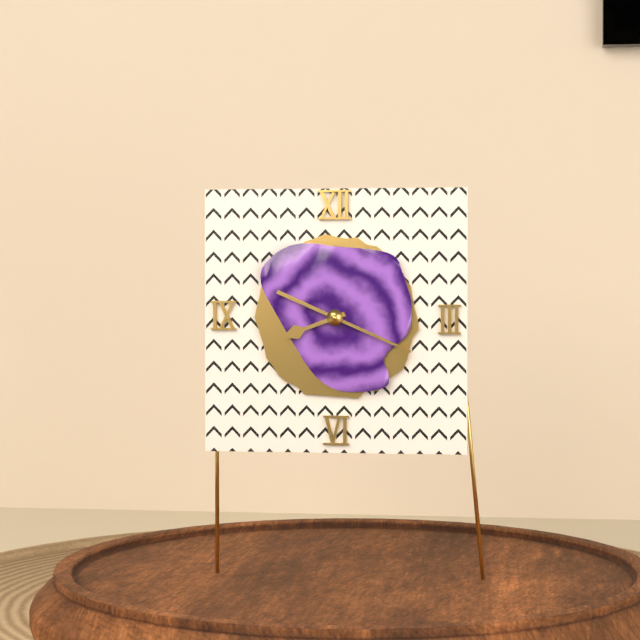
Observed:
8:19
